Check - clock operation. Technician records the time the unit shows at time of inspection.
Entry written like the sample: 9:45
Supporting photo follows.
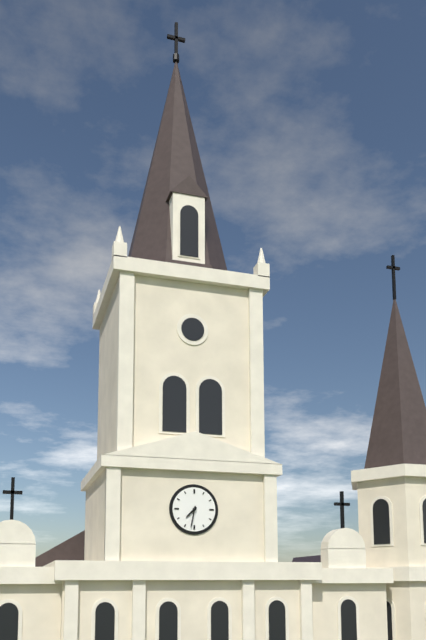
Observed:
7:32
